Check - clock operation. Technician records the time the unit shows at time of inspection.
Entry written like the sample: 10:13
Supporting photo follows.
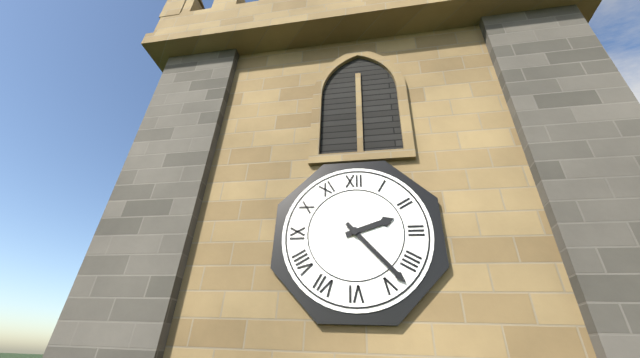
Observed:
2:23
